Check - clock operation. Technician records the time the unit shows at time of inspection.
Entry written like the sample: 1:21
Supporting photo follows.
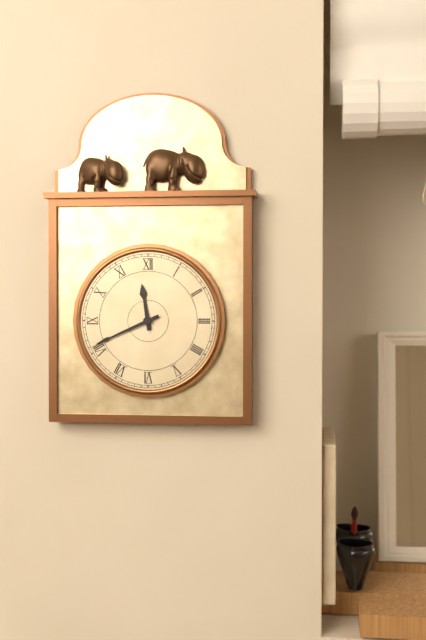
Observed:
11:41
